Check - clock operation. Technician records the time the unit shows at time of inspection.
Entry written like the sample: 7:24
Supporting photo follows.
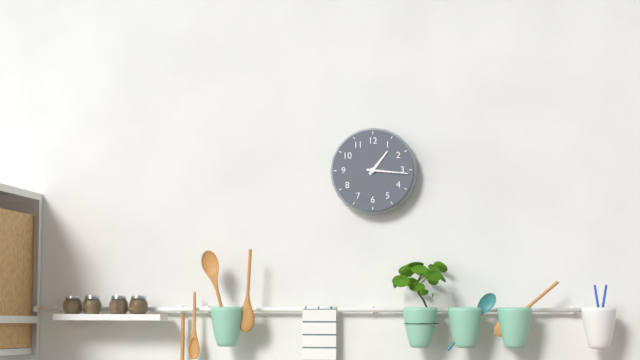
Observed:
1:16
